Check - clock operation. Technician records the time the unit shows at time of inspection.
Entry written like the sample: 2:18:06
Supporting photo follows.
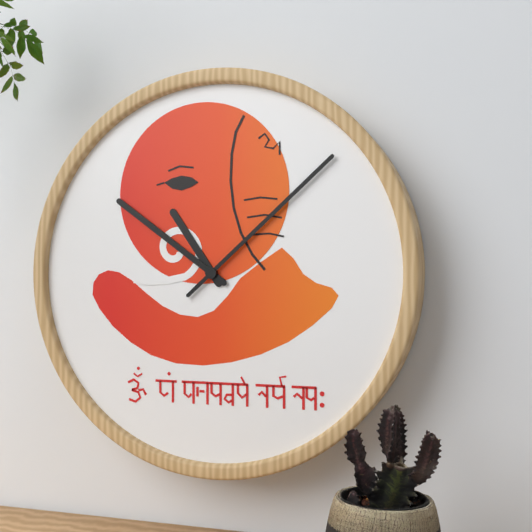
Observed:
10:51:08
